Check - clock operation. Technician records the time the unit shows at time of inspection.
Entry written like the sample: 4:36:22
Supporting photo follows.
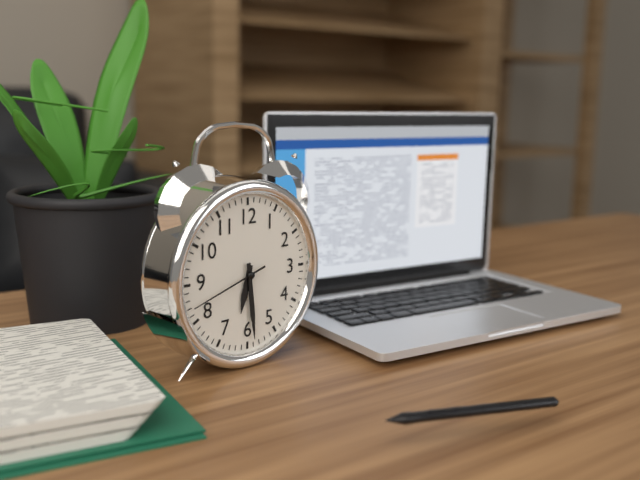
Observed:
6:29:42
